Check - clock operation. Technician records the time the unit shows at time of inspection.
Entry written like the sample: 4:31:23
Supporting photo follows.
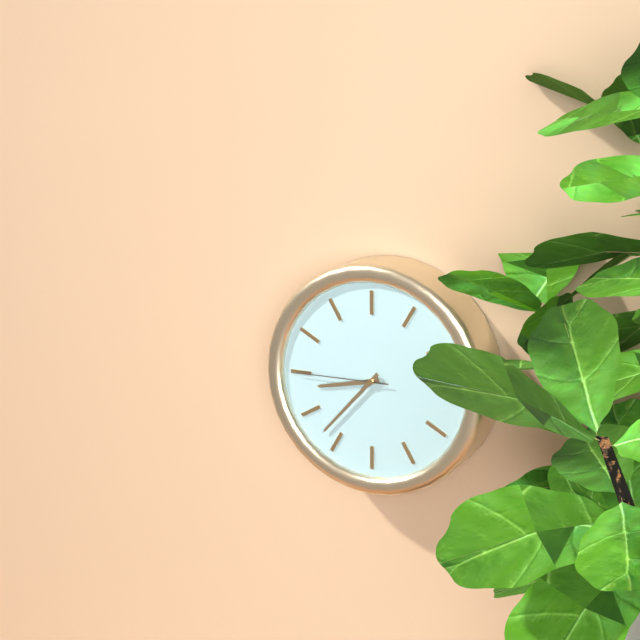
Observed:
8:37:45
